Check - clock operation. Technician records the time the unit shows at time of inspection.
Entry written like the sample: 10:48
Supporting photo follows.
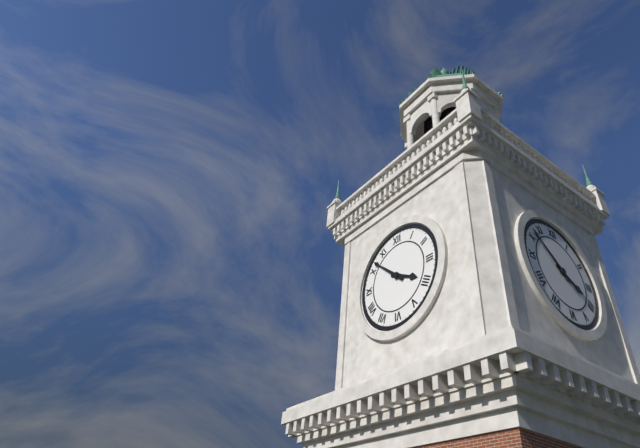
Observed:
3:52
